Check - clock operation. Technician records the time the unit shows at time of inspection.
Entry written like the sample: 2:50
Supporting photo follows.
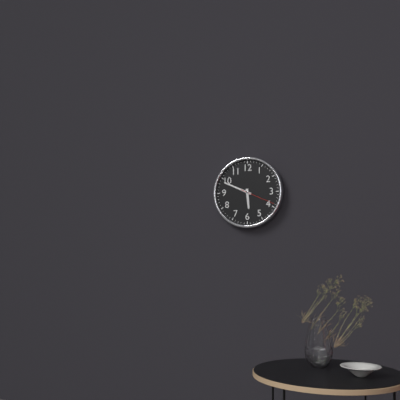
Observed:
5:49
